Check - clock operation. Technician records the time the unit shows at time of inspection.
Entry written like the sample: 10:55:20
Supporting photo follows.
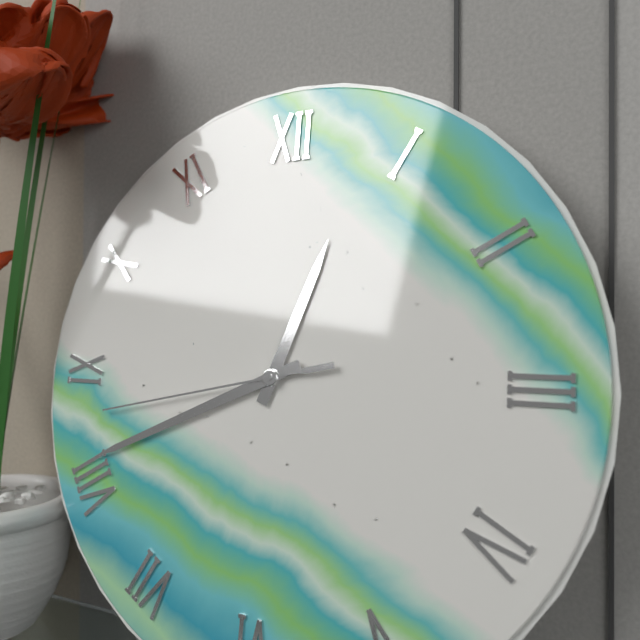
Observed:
12:41:43
